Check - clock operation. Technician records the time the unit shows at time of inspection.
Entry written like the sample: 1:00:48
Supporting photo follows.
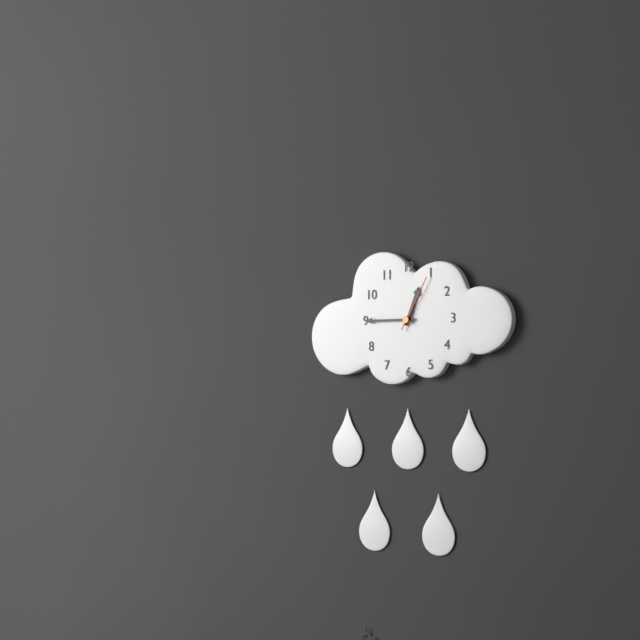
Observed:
12:45:05
